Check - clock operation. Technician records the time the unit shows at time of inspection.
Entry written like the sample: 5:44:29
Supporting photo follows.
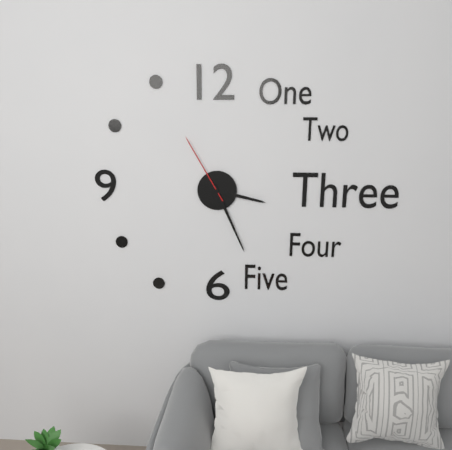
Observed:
3:26:55
